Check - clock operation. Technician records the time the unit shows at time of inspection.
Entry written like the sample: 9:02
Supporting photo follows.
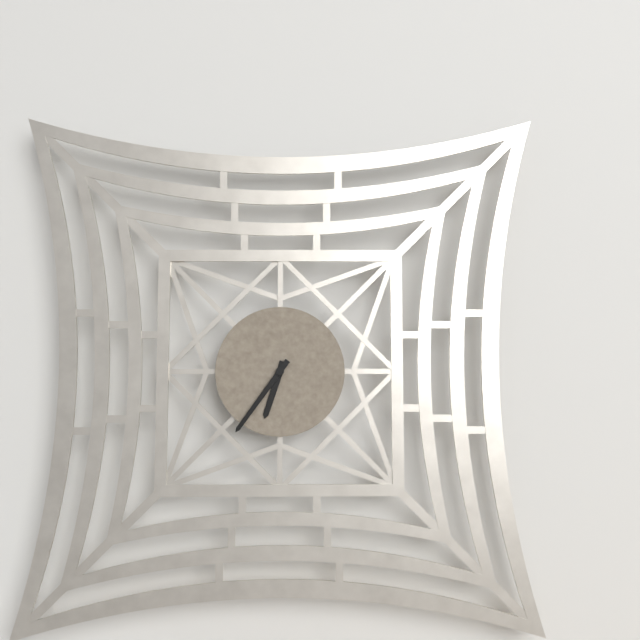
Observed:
6:36
